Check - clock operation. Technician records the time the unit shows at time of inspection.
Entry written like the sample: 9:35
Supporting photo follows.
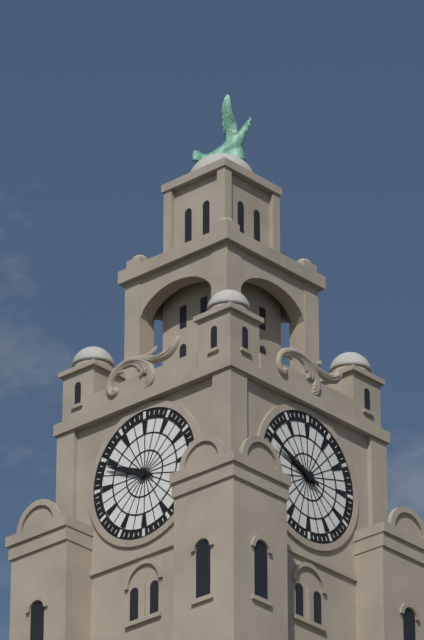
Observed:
9:49
